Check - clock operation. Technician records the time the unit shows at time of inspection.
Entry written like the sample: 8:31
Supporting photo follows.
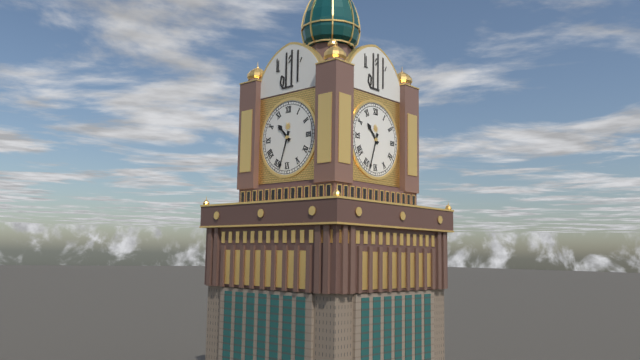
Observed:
10:33
